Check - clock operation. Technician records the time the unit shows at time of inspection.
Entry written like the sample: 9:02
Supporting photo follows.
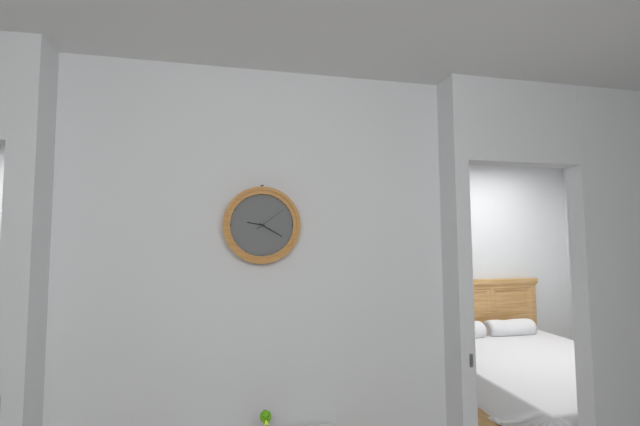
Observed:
9:20
